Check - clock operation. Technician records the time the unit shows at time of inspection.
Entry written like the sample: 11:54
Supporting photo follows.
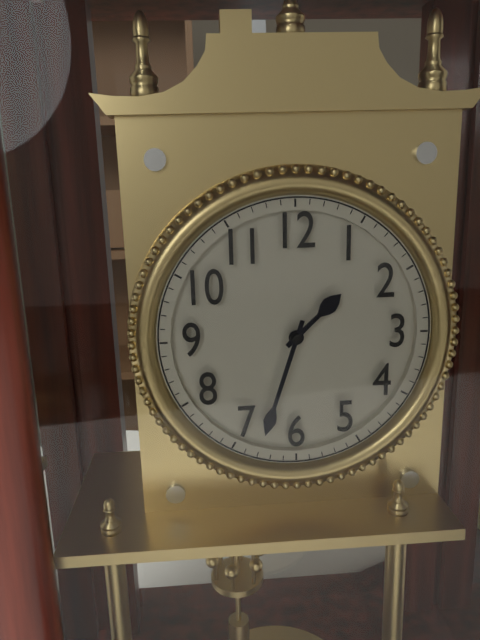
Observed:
1:33
